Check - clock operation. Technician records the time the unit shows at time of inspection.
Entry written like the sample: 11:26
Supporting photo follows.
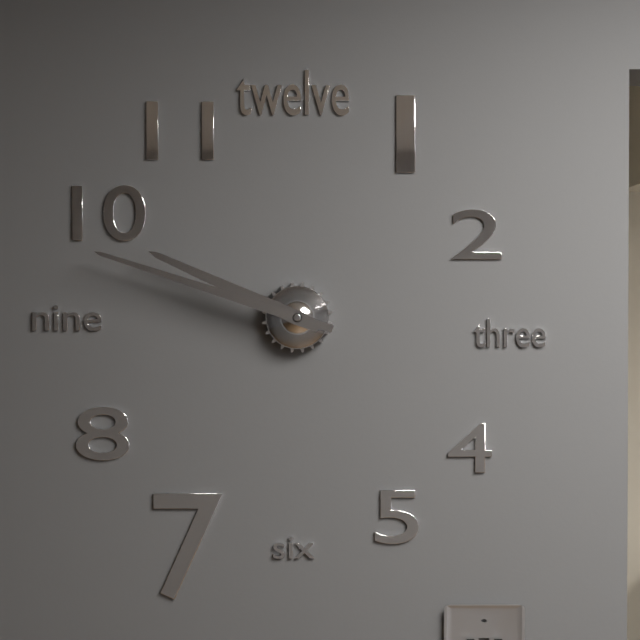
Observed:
9:48
